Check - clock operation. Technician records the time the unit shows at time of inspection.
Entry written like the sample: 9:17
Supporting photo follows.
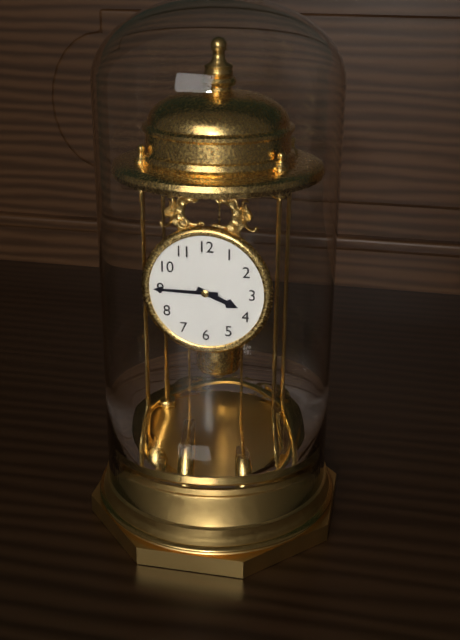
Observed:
3:45
